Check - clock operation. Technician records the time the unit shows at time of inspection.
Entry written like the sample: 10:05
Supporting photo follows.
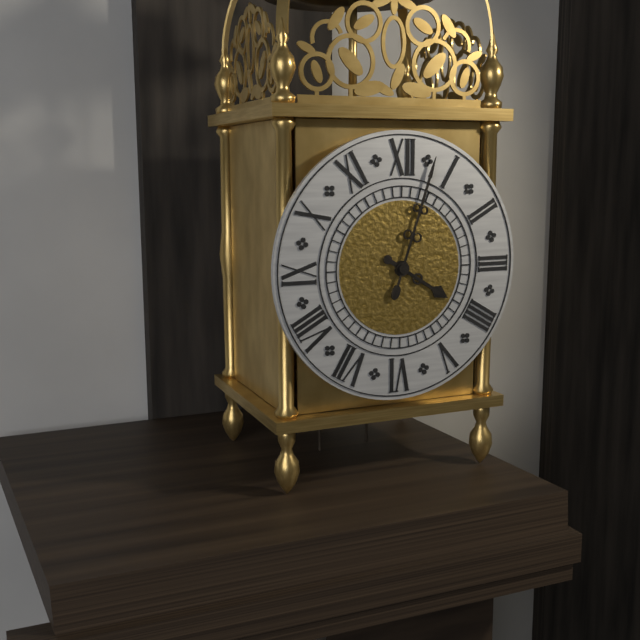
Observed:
4:03
